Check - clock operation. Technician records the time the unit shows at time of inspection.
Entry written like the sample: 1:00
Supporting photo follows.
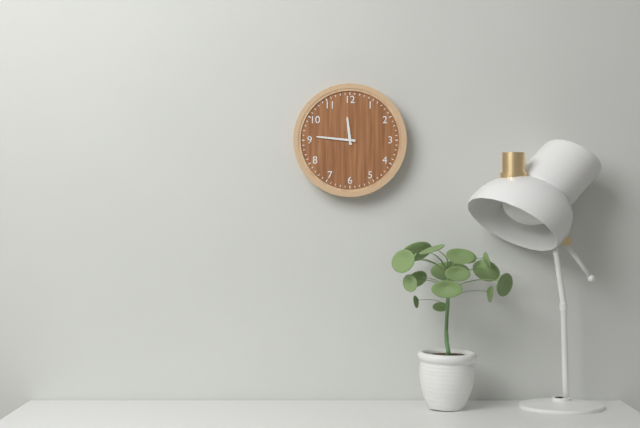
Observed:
11:46
